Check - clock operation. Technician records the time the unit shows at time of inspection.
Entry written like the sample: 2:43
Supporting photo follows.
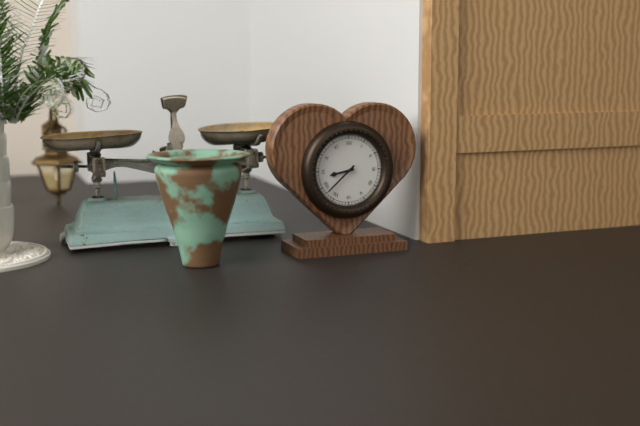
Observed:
8:38
